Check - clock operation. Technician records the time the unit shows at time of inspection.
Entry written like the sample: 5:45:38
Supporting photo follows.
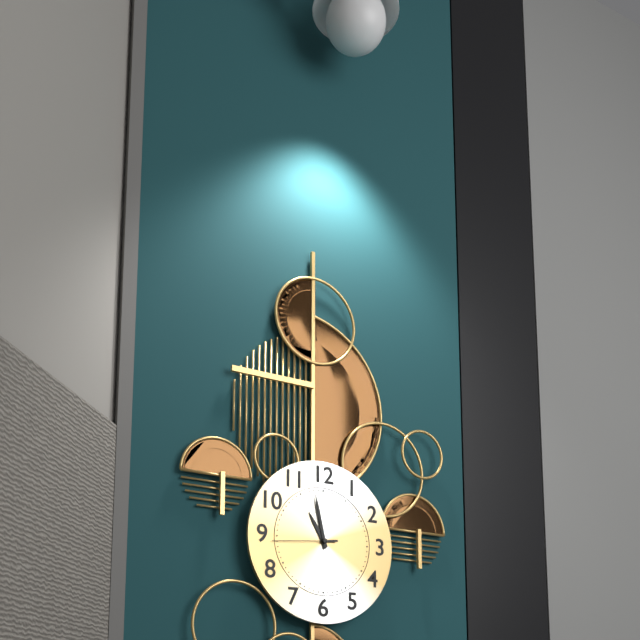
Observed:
10:58:44
